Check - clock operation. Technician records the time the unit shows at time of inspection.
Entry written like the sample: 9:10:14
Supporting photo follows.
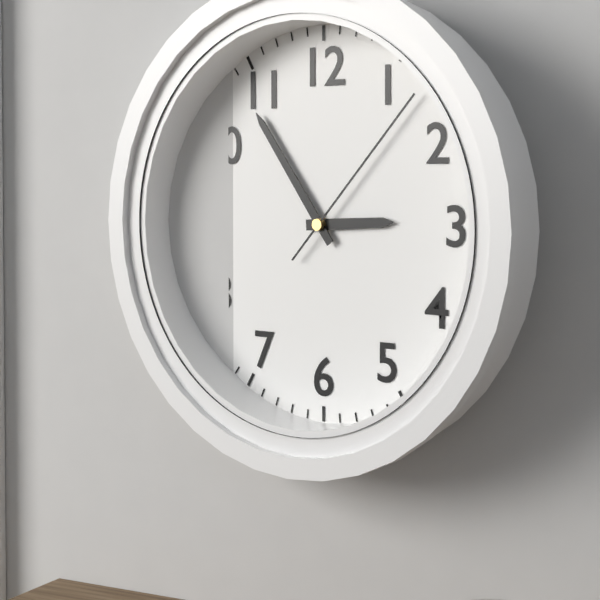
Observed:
2:54:07
